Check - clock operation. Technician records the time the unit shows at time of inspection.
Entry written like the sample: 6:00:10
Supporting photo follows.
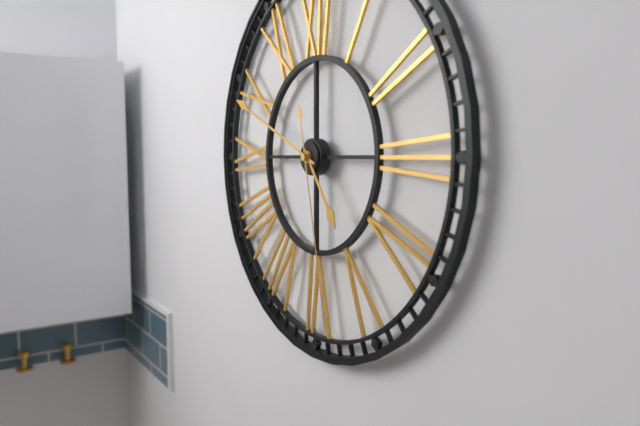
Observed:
4:49:28
